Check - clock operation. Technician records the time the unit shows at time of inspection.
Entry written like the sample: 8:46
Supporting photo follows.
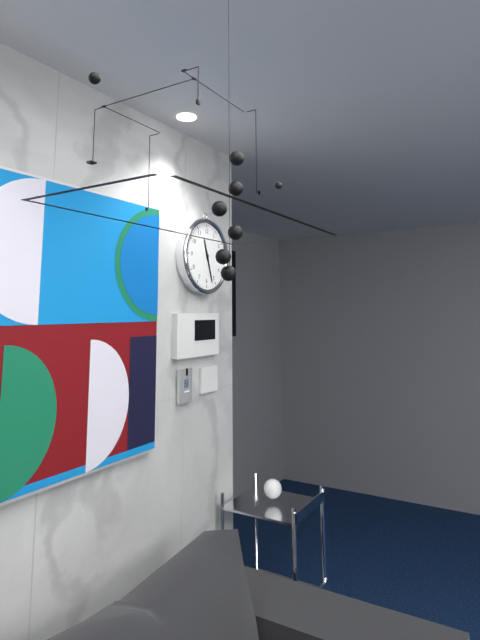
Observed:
11:27
